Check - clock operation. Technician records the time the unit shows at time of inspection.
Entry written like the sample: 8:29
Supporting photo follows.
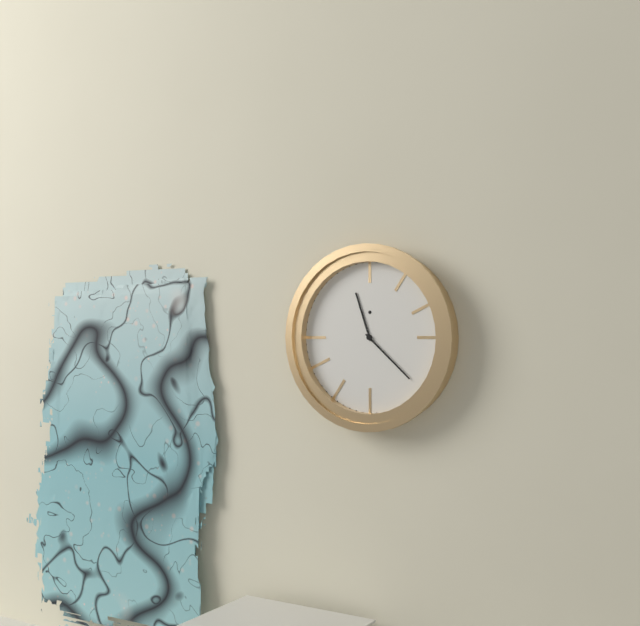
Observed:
11:22
